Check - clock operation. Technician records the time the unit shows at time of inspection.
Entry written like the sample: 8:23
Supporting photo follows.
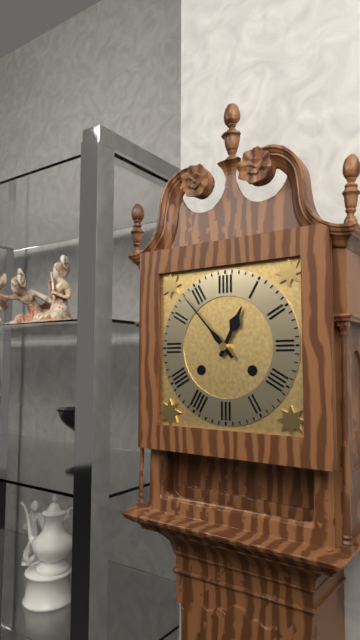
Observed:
12:53
